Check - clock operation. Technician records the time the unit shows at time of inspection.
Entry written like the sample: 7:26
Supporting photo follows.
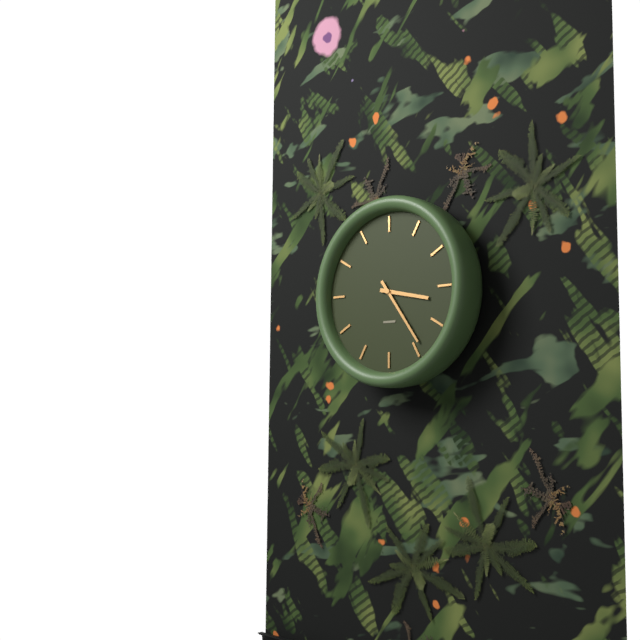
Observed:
3:24
